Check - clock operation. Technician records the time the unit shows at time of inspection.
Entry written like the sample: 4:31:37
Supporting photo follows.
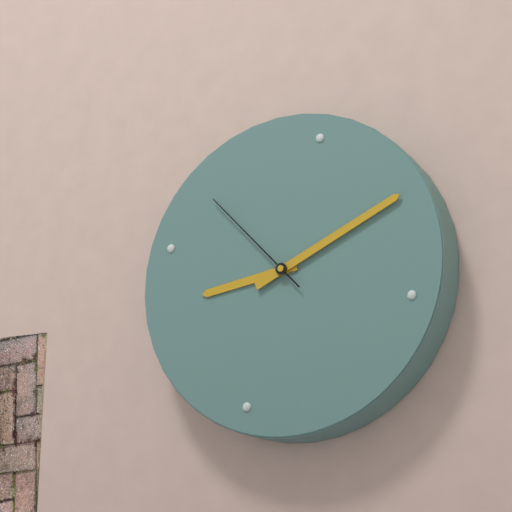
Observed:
8:08:50
